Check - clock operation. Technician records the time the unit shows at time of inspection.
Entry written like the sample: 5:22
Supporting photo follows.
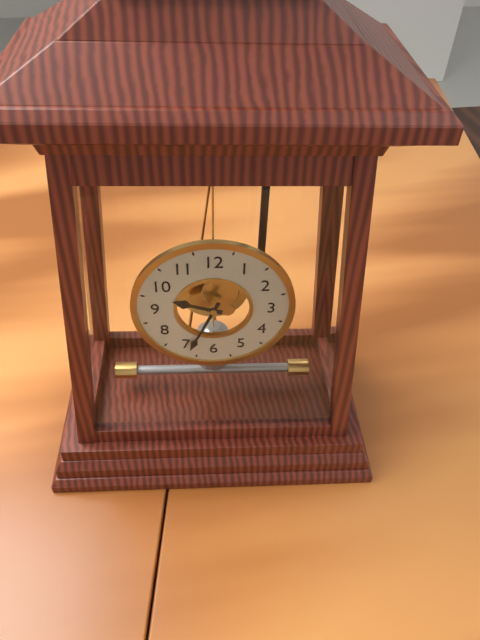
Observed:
9:34
